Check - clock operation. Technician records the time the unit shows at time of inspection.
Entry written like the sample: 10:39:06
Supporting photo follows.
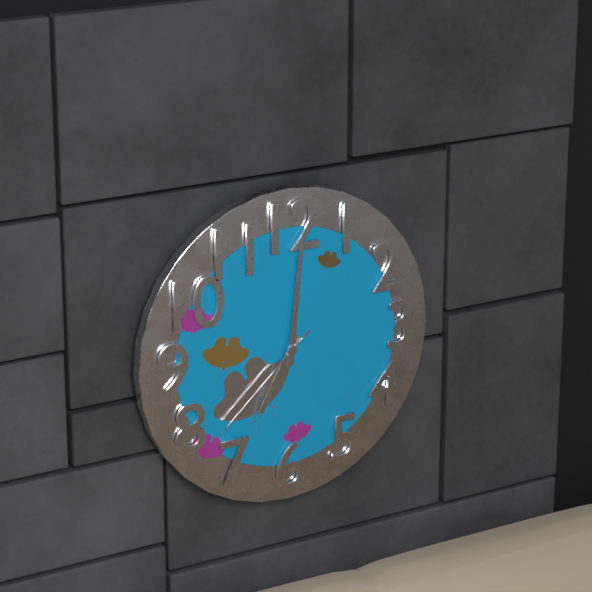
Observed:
7:01:38
